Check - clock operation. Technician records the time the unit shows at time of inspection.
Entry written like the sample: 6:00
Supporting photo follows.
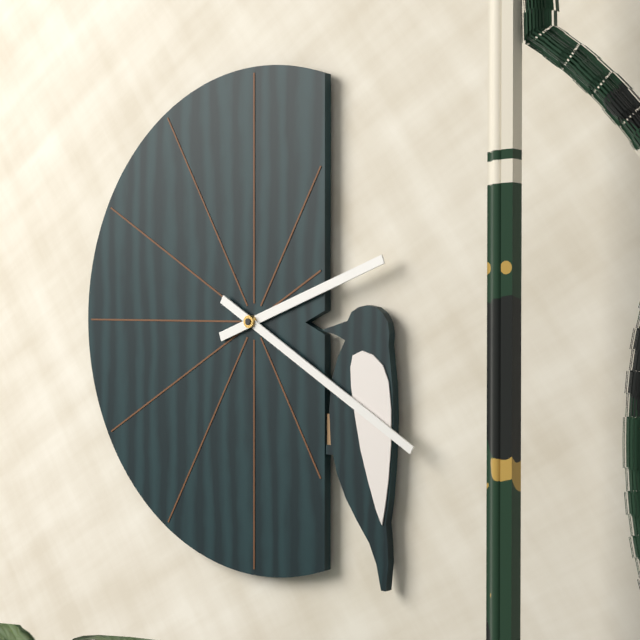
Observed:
2:20
